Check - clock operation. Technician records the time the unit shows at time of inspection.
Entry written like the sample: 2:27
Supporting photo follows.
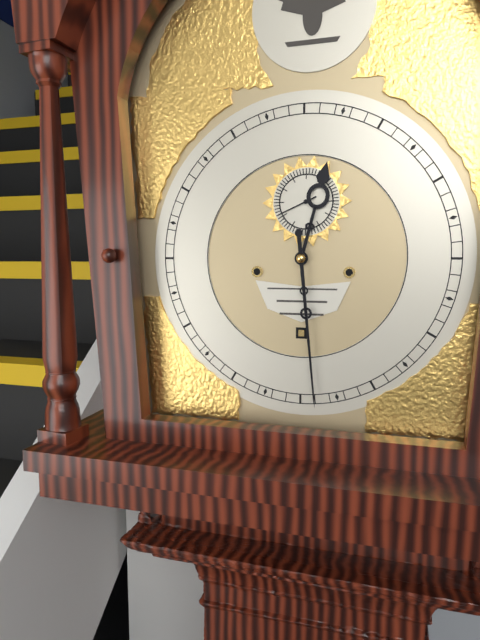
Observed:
12:29
